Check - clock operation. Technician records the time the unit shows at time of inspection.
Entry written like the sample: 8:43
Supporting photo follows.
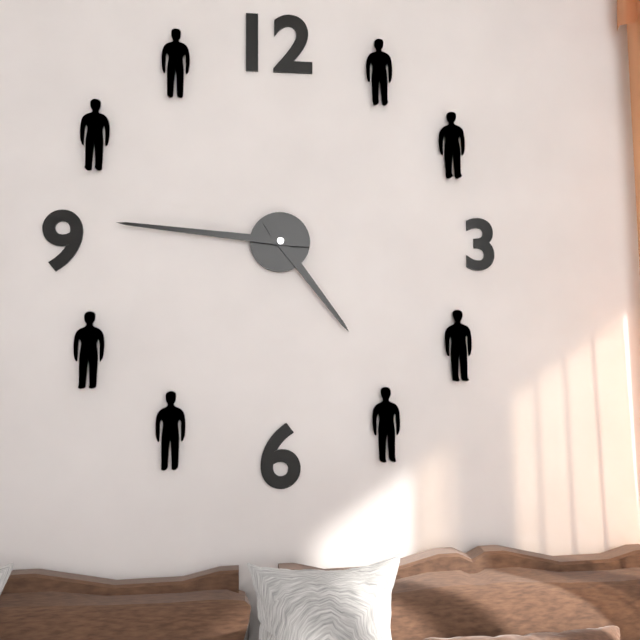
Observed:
4:46
